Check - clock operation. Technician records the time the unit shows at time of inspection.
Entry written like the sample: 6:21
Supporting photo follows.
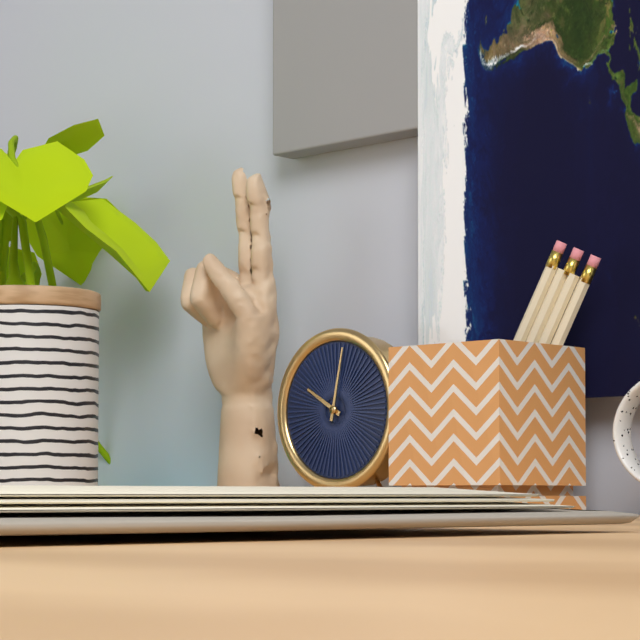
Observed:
10:02
